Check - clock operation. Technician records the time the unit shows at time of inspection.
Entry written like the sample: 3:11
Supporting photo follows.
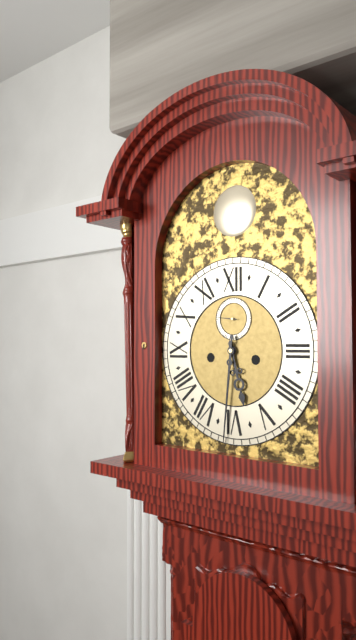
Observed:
5:31
